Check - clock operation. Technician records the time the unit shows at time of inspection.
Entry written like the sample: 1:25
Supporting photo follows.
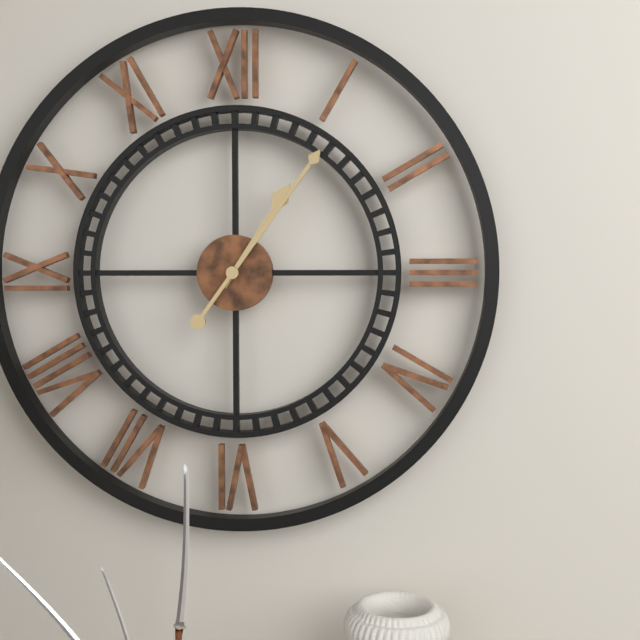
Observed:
1:06
